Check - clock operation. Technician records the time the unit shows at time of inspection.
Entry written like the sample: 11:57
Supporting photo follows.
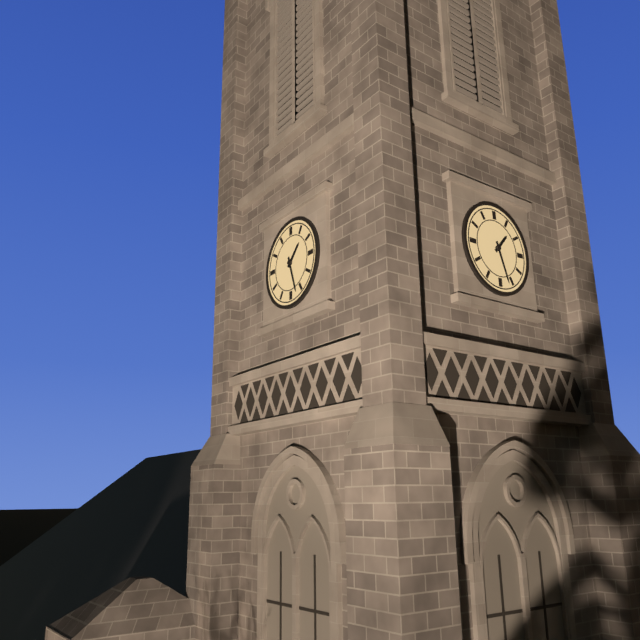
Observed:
1:27
